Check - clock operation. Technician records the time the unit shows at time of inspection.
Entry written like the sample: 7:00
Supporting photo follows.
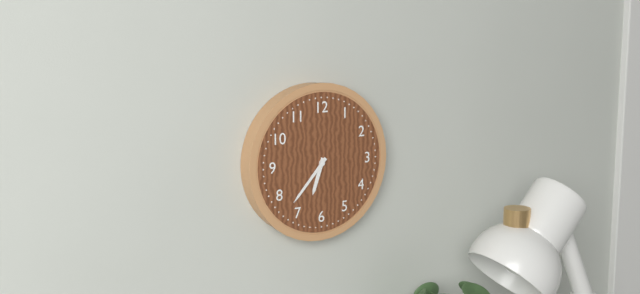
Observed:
6:37
